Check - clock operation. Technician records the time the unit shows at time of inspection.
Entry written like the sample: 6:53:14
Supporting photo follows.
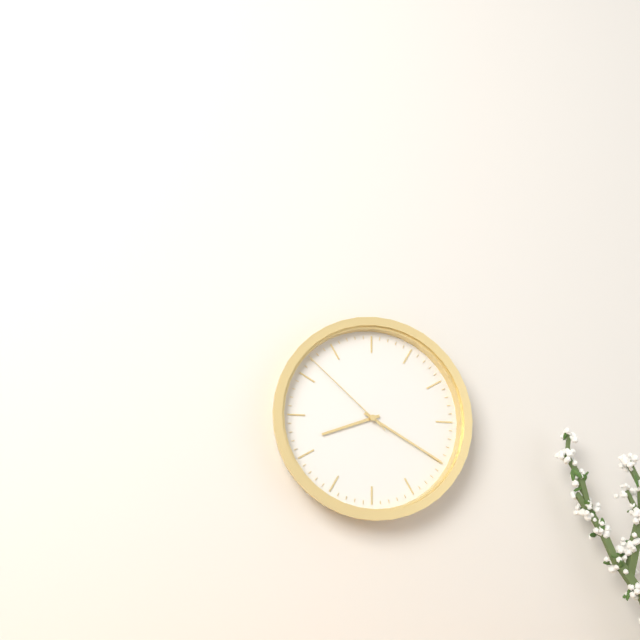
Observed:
8:20:52
